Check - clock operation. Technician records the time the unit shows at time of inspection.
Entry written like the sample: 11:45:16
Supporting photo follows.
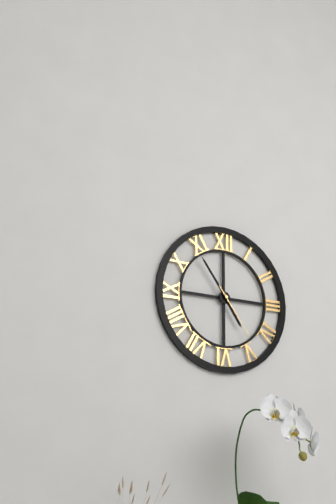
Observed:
4:54:24
